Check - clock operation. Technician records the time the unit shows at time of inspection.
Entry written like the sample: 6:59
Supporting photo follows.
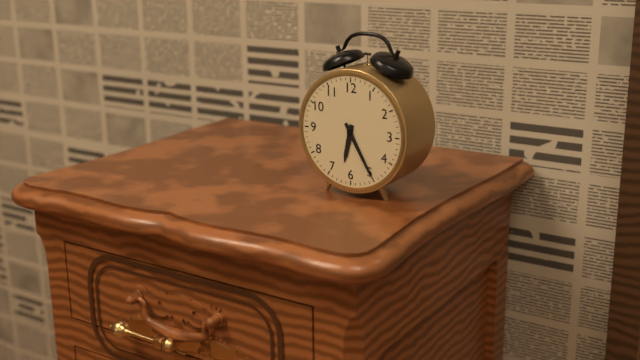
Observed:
6:25
